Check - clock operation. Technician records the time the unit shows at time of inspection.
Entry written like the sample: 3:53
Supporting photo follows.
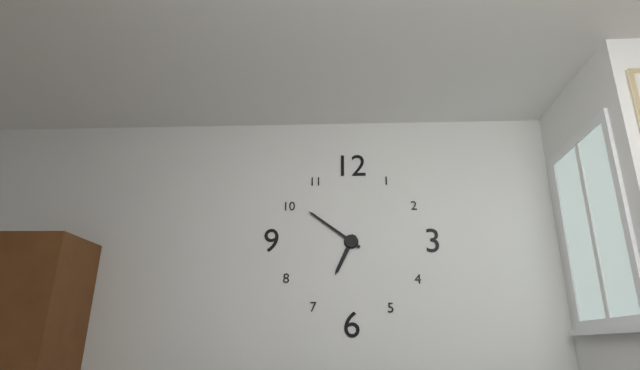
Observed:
6:51
